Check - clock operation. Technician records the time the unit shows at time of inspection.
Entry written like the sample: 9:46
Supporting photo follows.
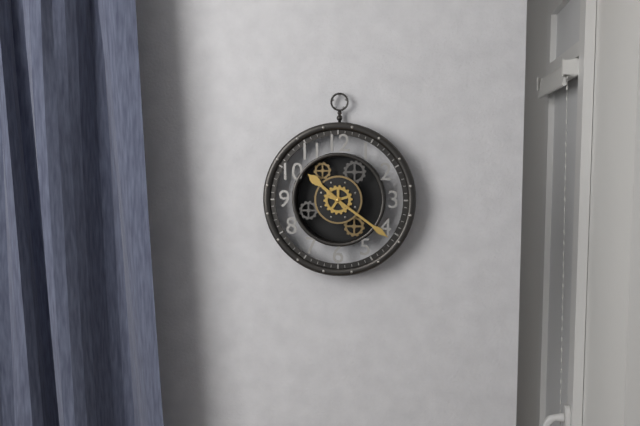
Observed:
10:21
